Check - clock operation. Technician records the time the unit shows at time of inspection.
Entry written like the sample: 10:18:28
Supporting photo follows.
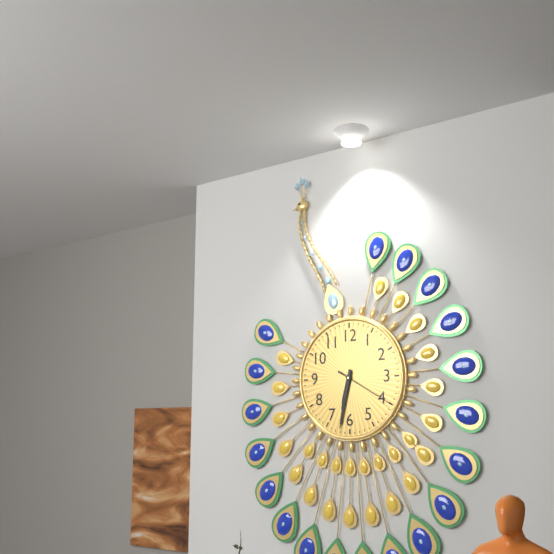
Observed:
6:32:20
